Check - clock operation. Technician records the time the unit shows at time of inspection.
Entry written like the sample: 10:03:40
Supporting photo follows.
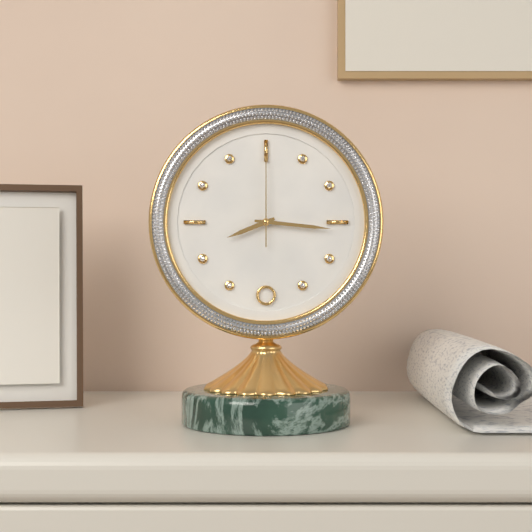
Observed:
8:16:00
